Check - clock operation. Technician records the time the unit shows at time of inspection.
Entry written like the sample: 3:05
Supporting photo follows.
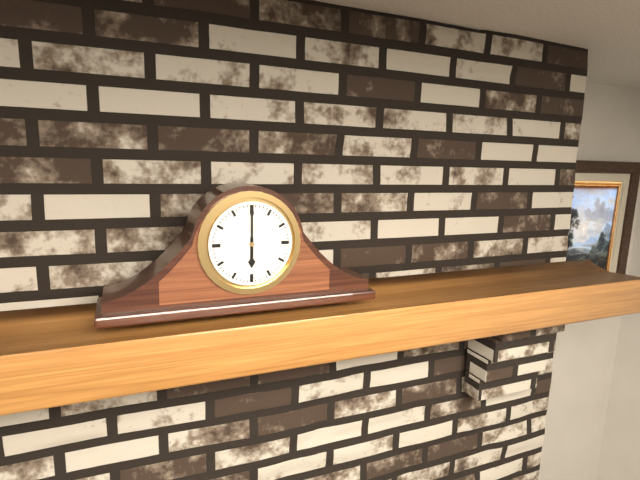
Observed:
6:00
